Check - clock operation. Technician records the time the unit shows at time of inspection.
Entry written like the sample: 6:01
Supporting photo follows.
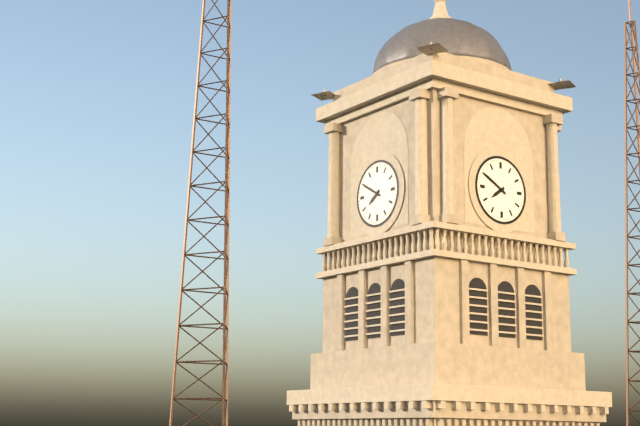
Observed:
7:50
